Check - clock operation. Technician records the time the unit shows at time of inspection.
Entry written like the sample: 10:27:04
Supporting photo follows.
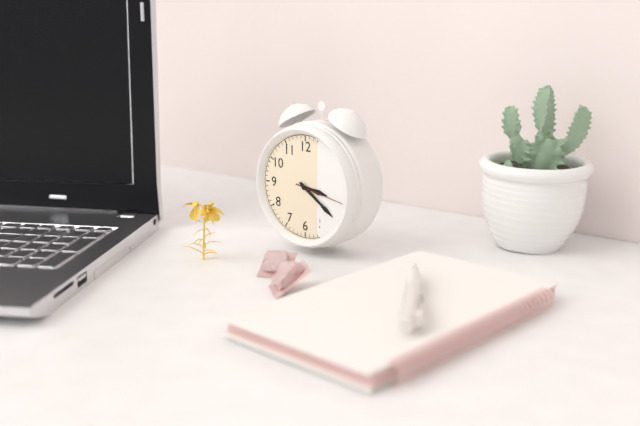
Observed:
3:21:17
